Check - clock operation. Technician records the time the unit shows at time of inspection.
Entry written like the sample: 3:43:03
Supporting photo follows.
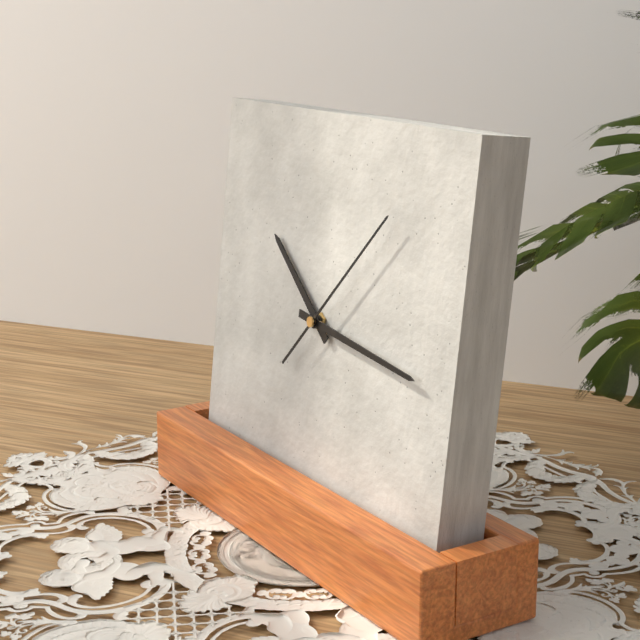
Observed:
10:16:07
